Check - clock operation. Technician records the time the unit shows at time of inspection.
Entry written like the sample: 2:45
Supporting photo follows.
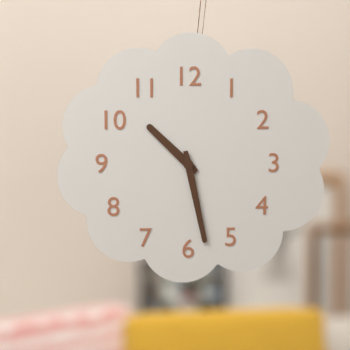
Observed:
10:28
